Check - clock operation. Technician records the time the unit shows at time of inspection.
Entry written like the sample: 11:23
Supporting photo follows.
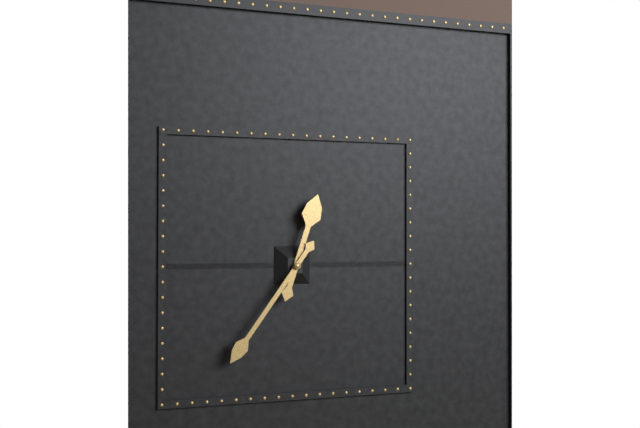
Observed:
12:36
